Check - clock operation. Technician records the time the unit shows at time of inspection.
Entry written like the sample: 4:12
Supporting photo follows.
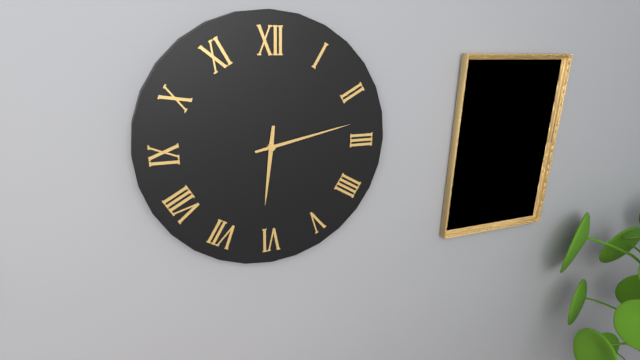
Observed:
6:13
